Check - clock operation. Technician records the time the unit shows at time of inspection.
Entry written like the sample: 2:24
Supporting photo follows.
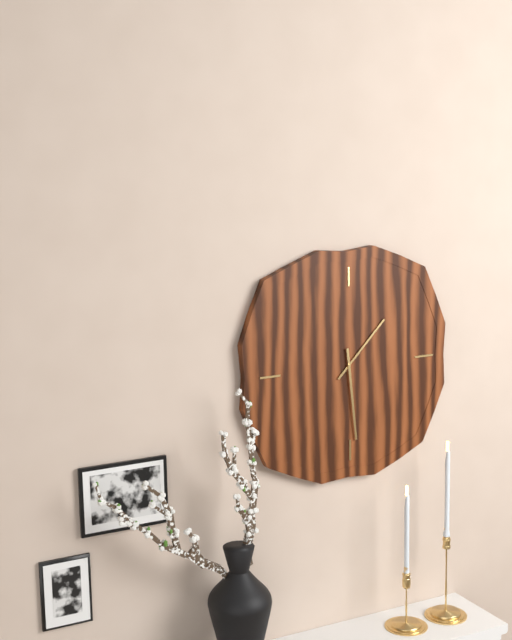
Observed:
1:29
